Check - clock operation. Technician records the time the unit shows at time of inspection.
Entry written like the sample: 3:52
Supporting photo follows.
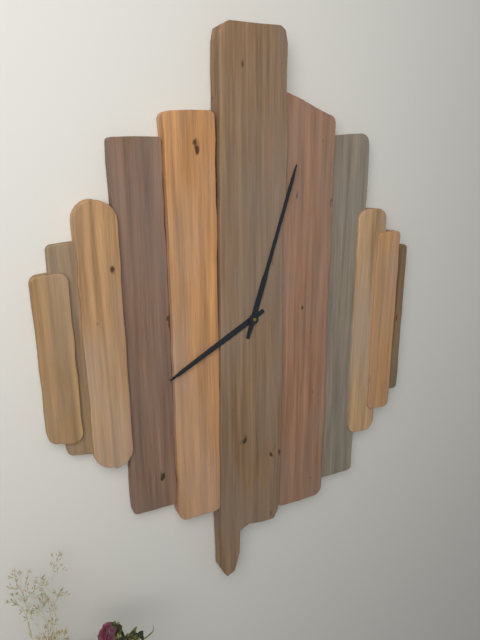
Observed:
8:03
